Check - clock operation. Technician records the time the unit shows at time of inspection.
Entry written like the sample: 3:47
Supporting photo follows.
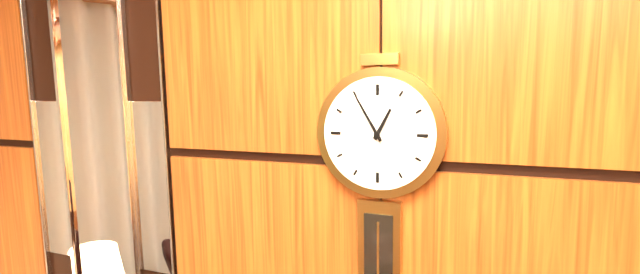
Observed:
12:55
